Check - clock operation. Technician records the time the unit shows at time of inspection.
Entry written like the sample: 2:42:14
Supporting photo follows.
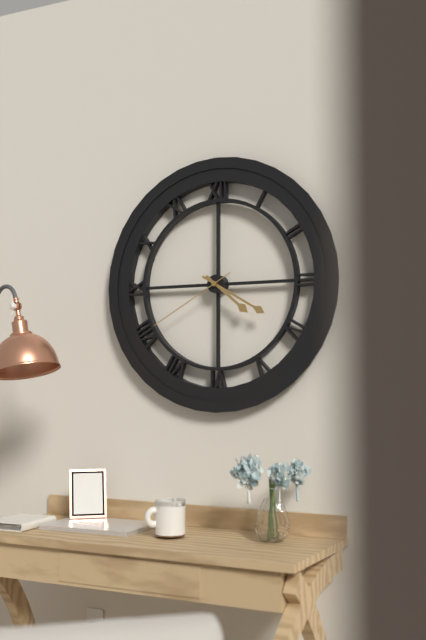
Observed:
4:20:40
